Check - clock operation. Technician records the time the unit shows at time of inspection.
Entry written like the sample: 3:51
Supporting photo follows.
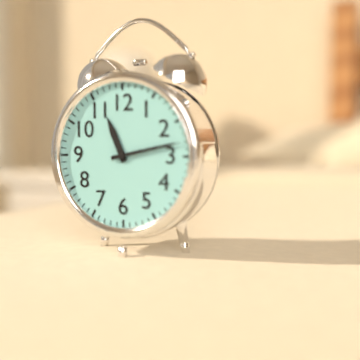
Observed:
11:13
